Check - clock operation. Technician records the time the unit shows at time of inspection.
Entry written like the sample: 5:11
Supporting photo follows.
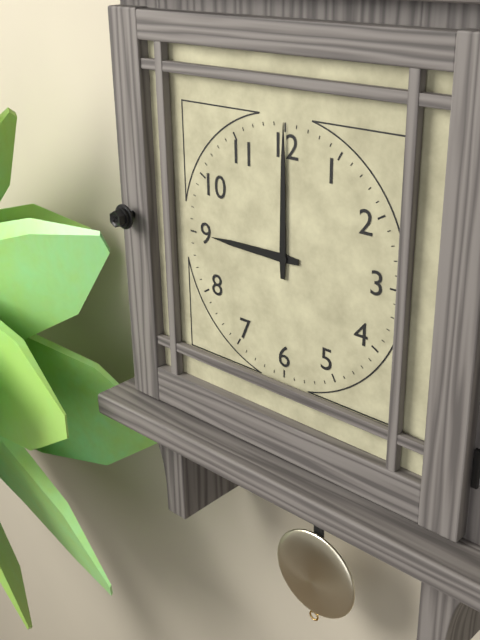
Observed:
9:00
